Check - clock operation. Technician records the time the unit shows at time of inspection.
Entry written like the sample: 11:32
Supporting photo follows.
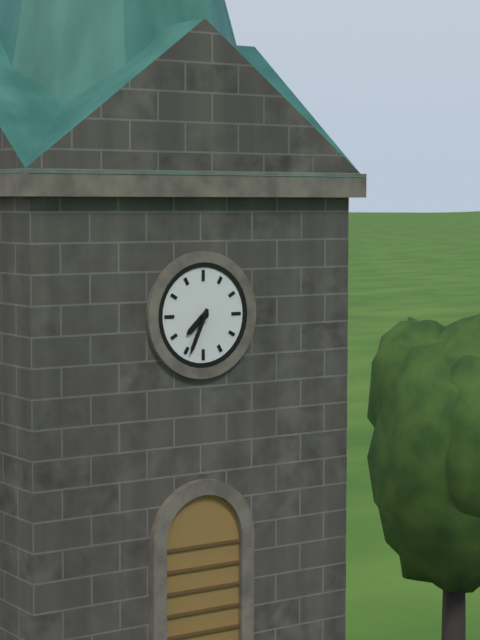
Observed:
7:34
